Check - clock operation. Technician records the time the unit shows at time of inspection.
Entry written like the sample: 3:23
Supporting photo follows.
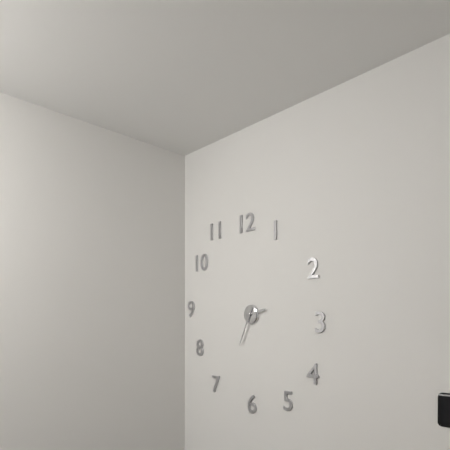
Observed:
2:34
